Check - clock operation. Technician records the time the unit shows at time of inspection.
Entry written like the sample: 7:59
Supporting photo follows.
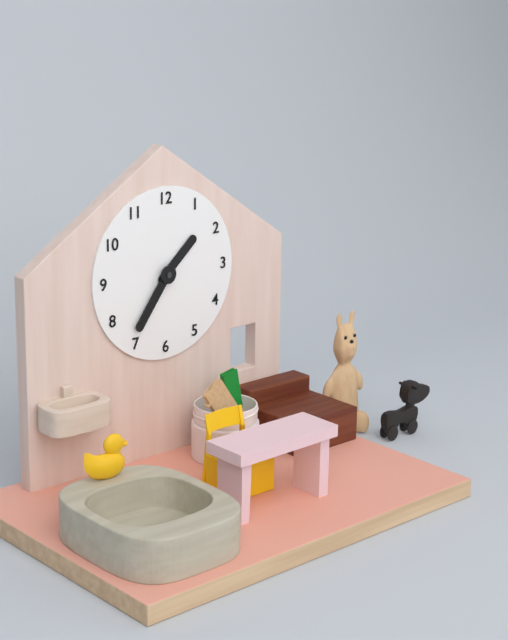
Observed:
1:36
